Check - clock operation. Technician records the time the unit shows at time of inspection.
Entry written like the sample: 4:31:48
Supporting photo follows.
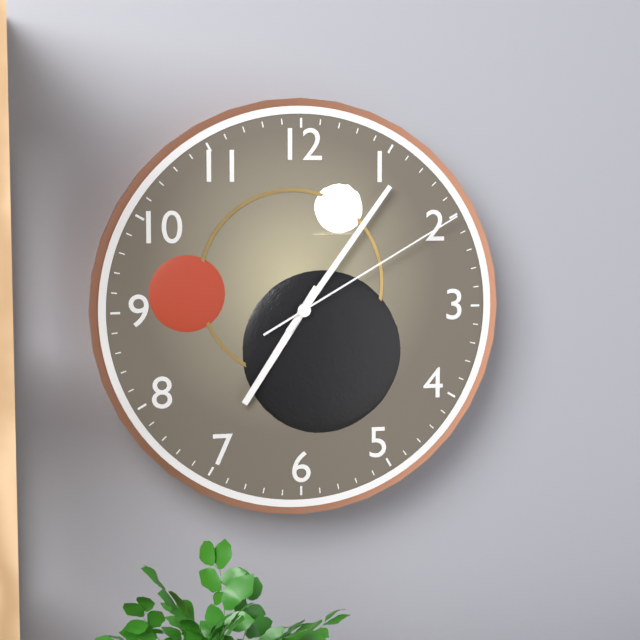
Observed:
7:06:10
